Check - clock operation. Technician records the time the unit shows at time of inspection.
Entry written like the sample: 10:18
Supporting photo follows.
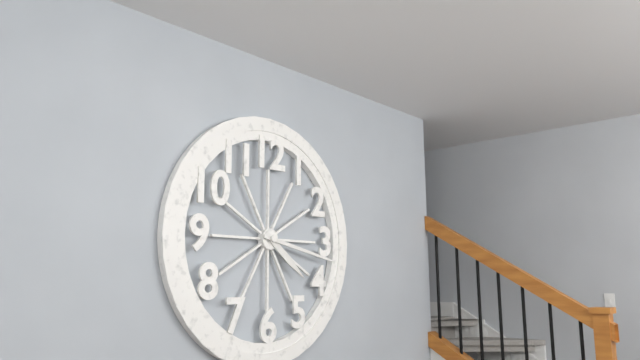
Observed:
4:17
